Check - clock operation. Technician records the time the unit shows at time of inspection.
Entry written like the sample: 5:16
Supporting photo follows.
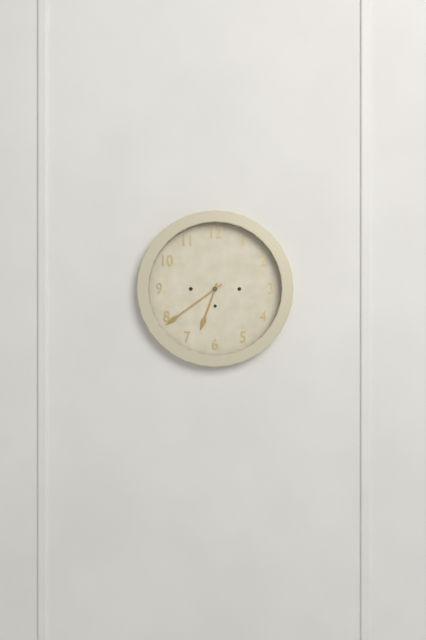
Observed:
6:39
